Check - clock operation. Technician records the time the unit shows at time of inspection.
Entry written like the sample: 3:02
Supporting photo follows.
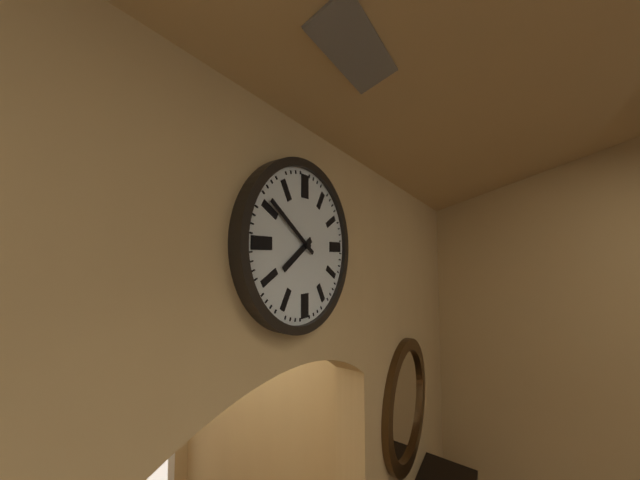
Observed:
7:51
